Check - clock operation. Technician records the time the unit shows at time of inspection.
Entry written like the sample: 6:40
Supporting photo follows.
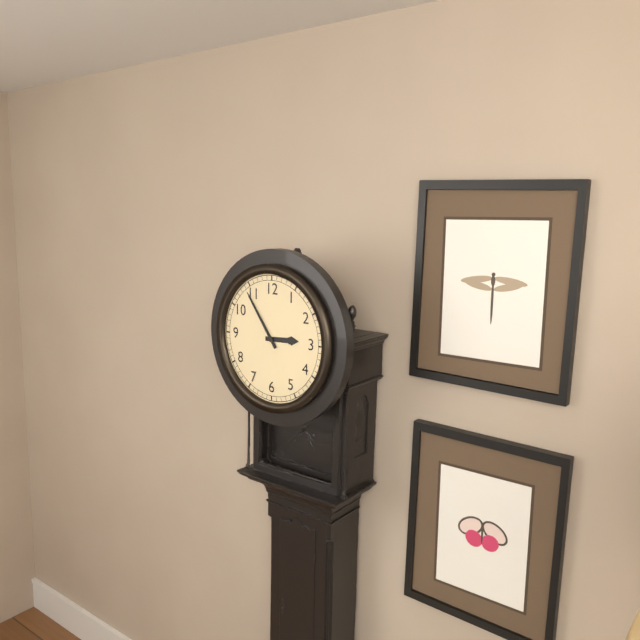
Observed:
2:54
